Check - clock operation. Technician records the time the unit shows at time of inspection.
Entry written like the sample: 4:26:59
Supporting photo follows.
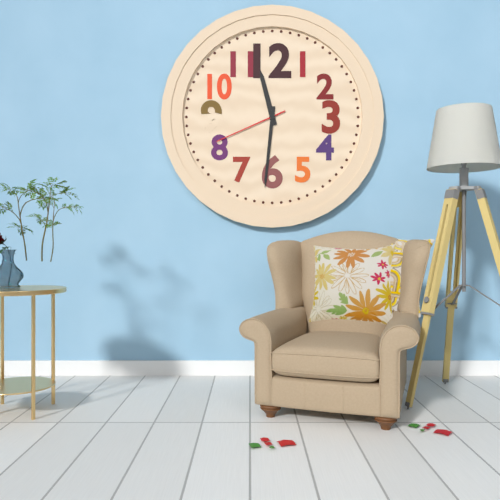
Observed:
11:31:41
